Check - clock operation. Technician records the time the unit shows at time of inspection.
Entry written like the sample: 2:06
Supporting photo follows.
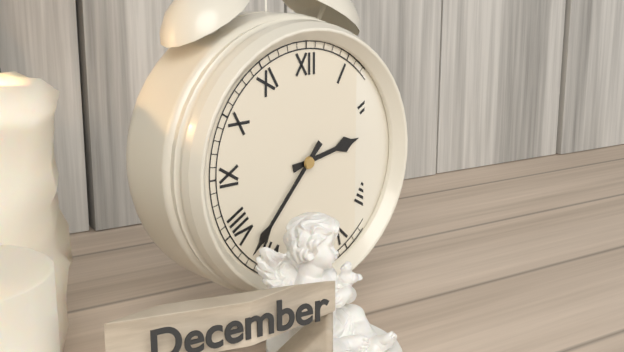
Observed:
2:37
